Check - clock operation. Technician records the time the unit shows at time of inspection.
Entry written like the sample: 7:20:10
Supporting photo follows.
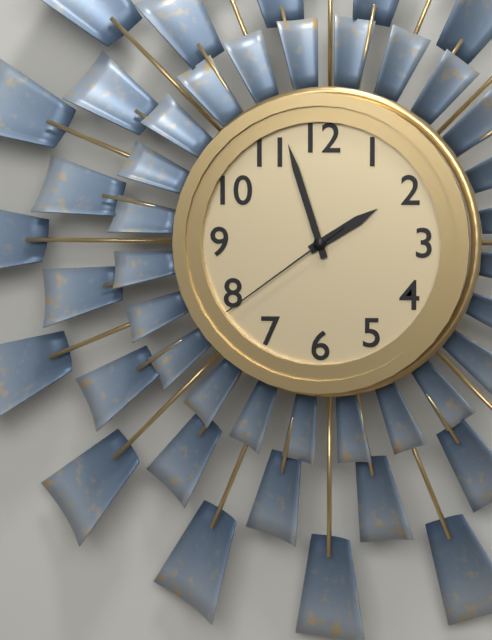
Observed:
1:57:39
